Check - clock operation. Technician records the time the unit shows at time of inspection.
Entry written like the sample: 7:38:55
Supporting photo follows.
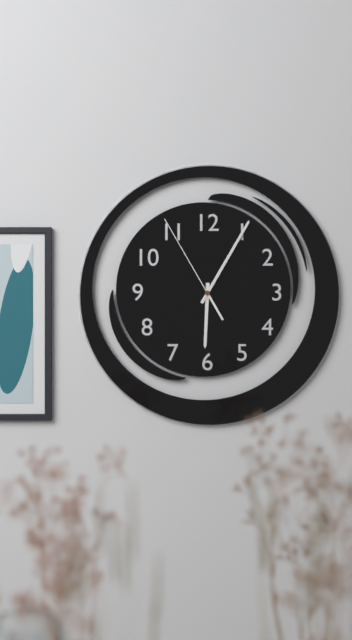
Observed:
6:05:55
